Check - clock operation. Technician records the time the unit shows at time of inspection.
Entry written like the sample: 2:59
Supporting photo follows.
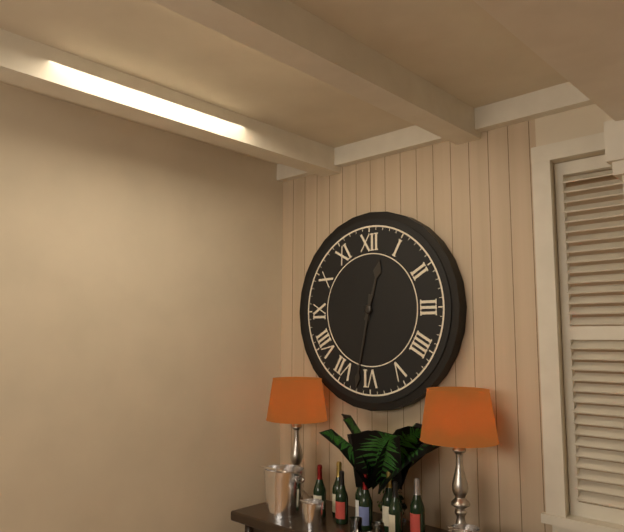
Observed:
12:32
